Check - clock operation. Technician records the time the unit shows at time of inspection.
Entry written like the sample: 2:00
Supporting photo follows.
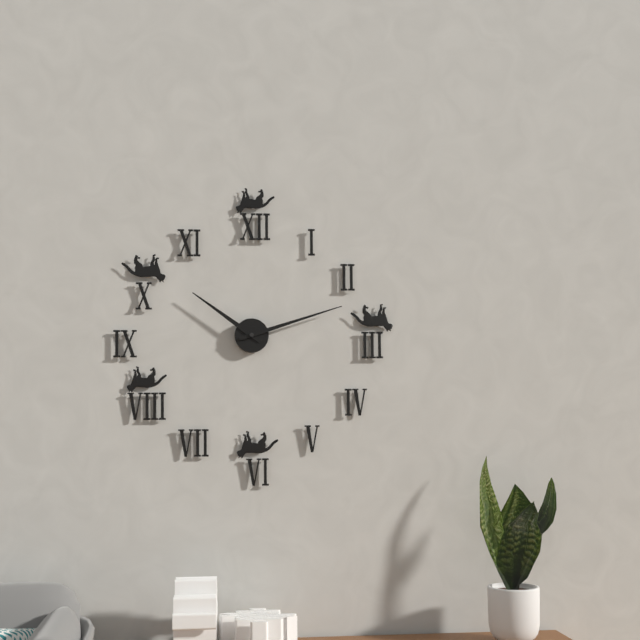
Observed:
10:12
